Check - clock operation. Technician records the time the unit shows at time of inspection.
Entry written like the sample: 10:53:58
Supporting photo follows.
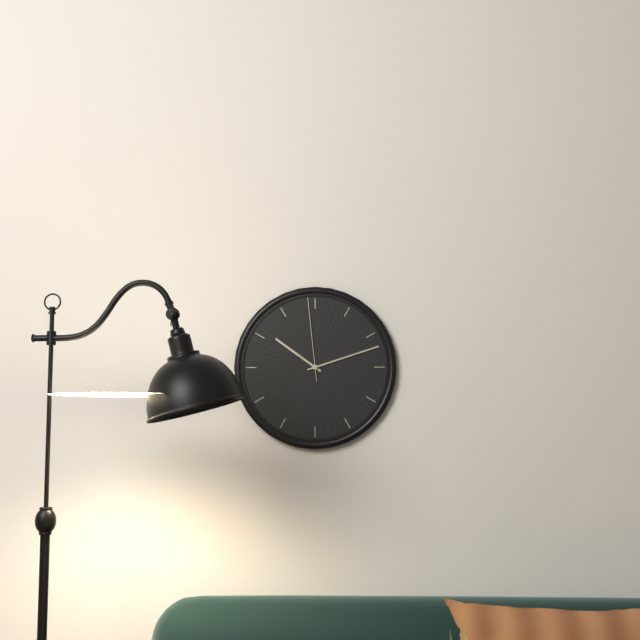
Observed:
10:12:59
